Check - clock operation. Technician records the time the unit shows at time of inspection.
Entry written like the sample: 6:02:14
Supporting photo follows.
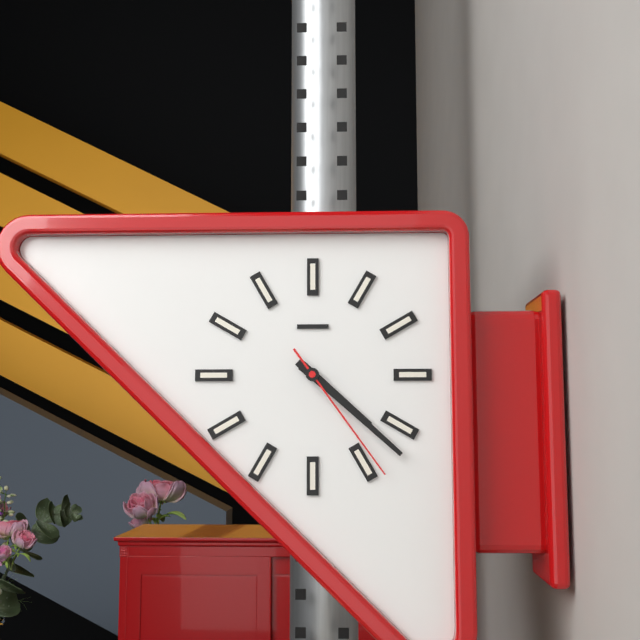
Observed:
4:22:24
